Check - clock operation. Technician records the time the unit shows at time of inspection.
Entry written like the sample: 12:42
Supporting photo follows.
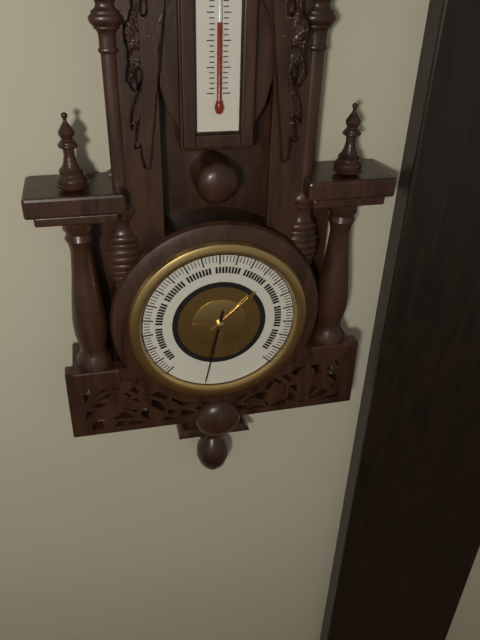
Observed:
1:32
